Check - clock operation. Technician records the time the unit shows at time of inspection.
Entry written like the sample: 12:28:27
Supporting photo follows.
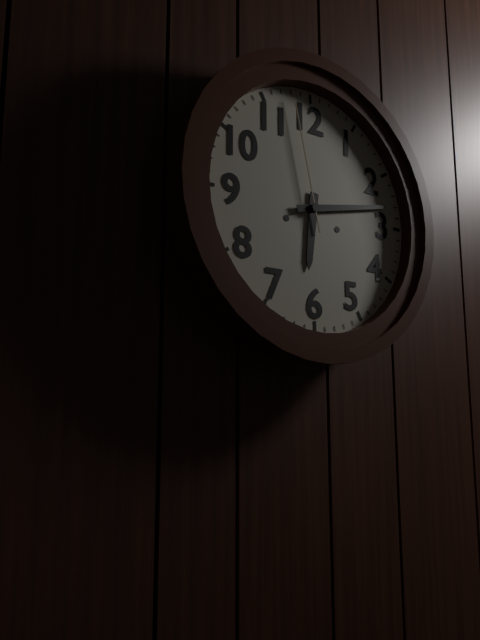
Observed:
6:13:58
